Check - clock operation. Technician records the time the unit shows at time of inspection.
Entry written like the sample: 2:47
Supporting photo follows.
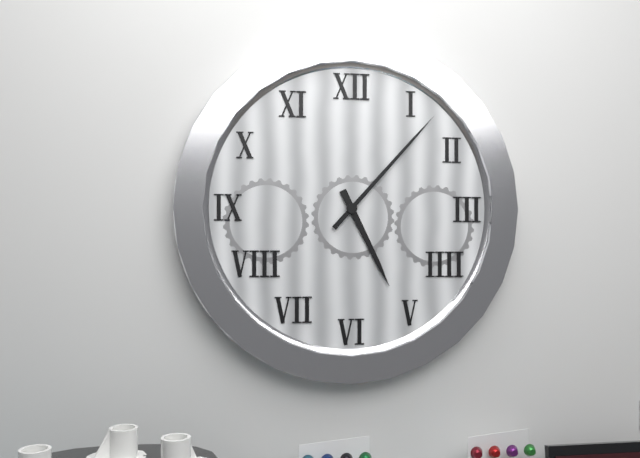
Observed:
5:07
